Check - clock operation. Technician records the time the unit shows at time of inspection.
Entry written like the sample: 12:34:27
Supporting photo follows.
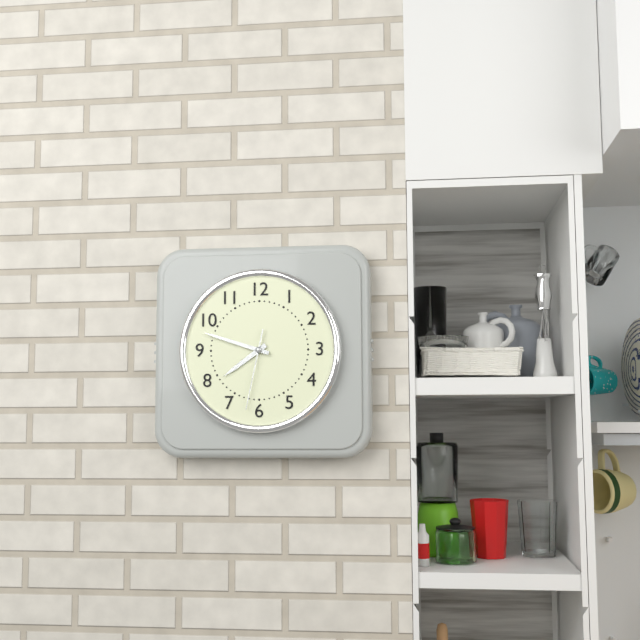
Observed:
7:48:32
